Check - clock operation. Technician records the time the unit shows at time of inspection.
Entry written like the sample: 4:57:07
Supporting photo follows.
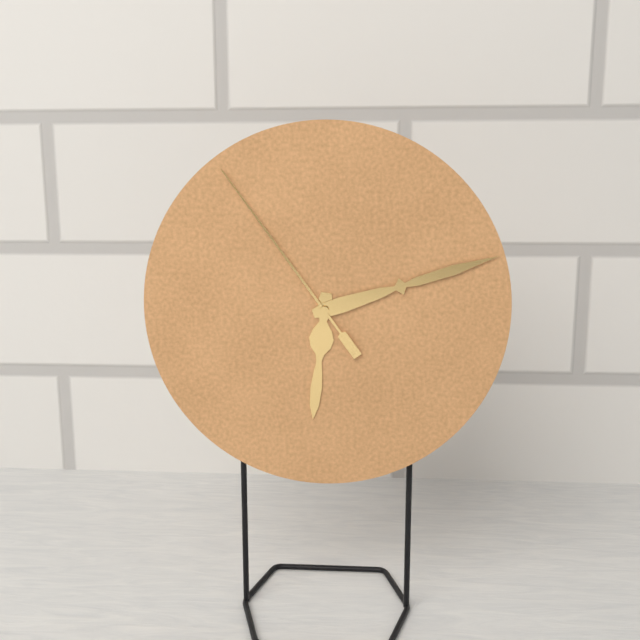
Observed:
6:12:54
